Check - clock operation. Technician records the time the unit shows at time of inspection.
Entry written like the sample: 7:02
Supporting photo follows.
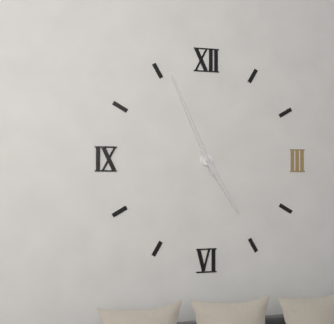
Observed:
4:56
